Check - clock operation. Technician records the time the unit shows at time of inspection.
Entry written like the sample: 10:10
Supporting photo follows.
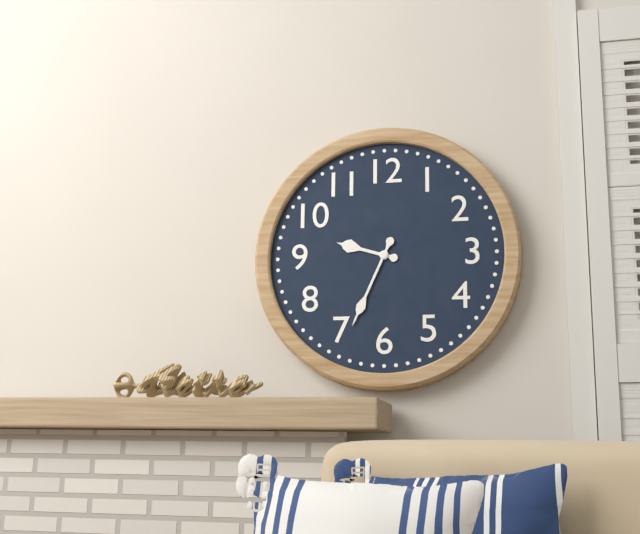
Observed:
9:34
